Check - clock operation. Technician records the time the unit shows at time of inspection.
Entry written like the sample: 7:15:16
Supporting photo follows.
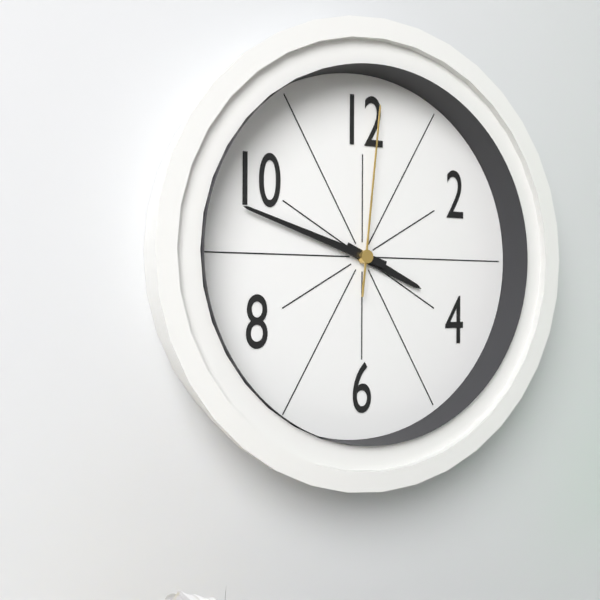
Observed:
3:48:01
